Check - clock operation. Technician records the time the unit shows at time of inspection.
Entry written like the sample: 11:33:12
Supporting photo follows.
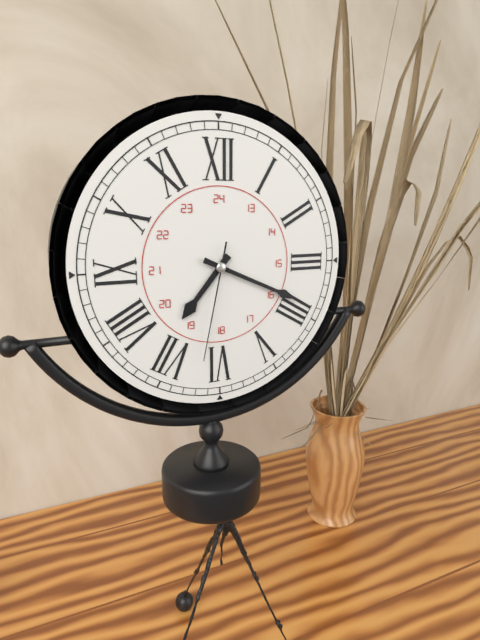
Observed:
7:19:32
